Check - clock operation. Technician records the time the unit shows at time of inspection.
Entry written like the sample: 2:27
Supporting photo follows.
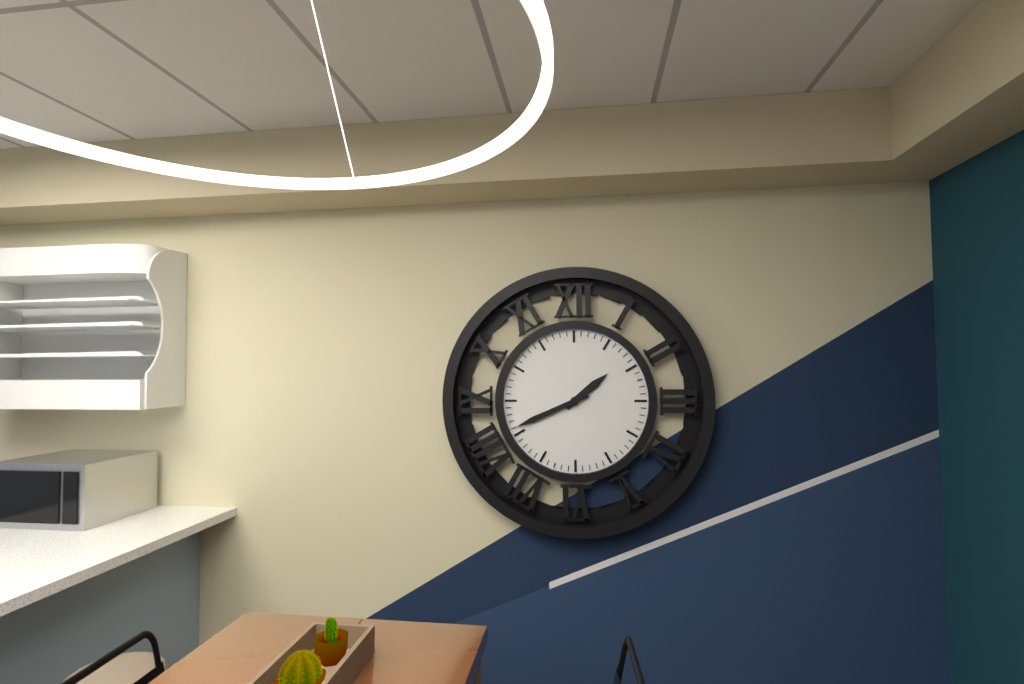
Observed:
1:41
